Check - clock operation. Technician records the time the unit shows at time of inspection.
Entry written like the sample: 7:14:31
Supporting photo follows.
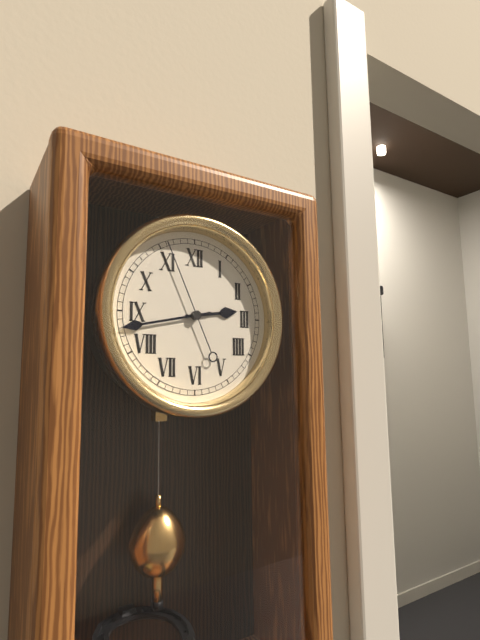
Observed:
2:43:56
